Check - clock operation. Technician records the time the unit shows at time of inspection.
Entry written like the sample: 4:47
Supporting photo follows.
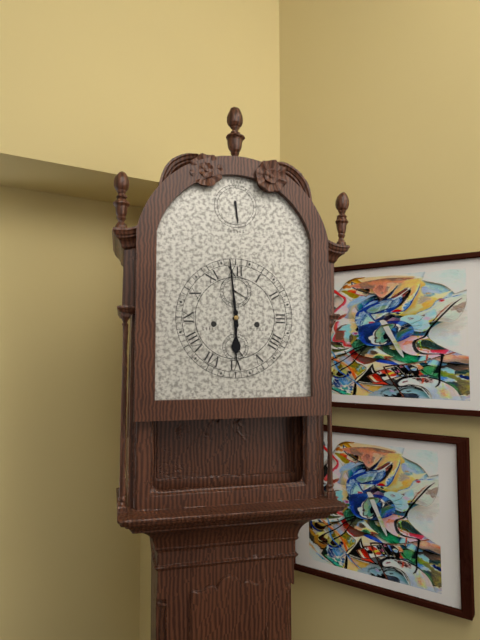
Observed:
5:59
